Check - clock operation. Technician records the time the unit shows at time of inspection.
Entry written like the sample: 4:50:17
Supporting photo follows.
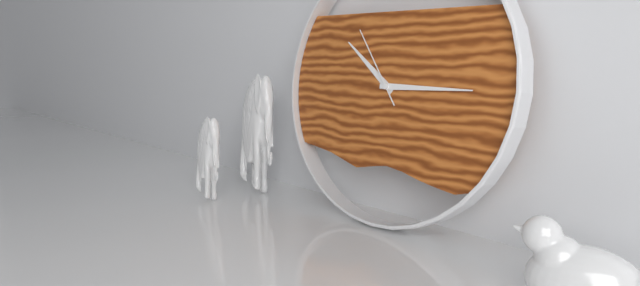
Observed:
10:15:54
